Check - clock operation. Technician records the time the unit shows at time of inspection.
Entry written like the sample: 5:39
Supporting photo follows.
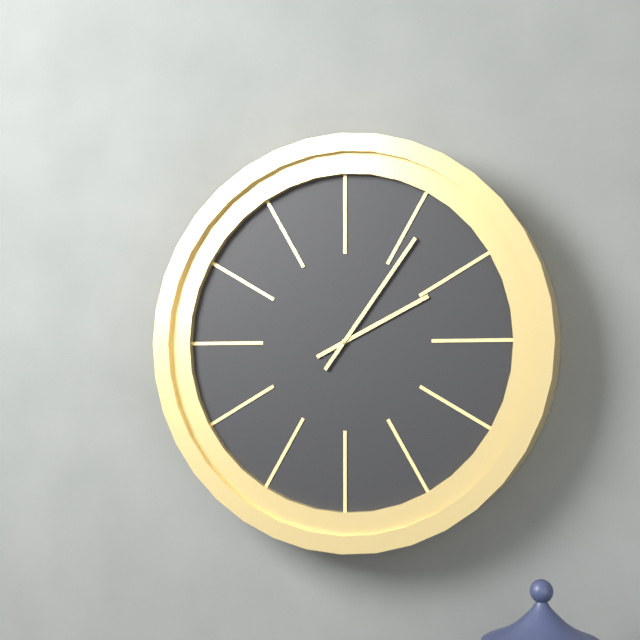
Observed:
2:06
